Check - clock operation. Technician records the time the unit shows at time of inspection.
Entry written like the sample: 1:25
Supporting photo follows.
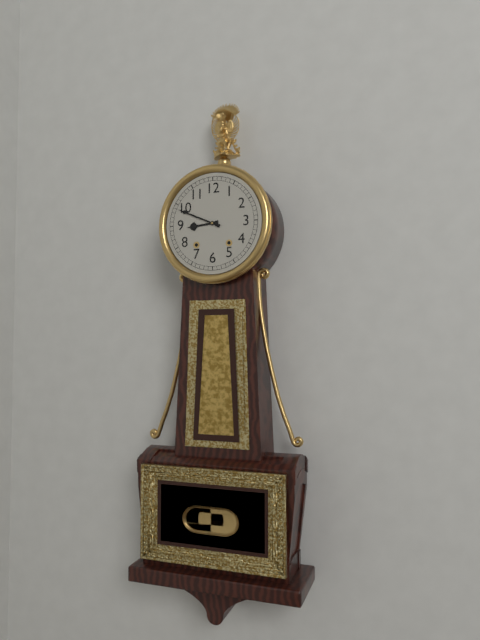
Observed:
8:49
